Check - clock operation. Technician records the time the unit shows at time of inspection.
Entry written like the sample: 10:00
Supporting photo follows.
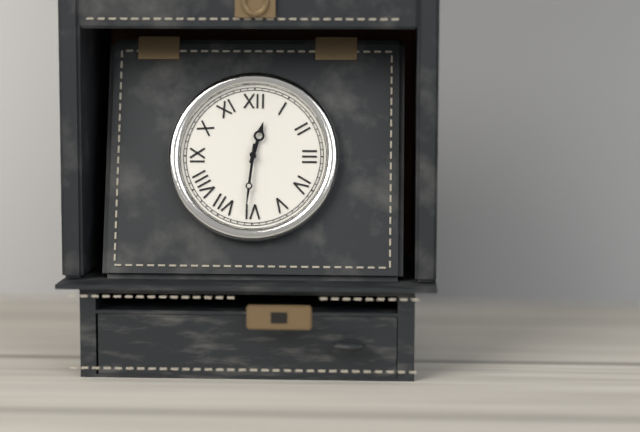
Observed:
12:31
